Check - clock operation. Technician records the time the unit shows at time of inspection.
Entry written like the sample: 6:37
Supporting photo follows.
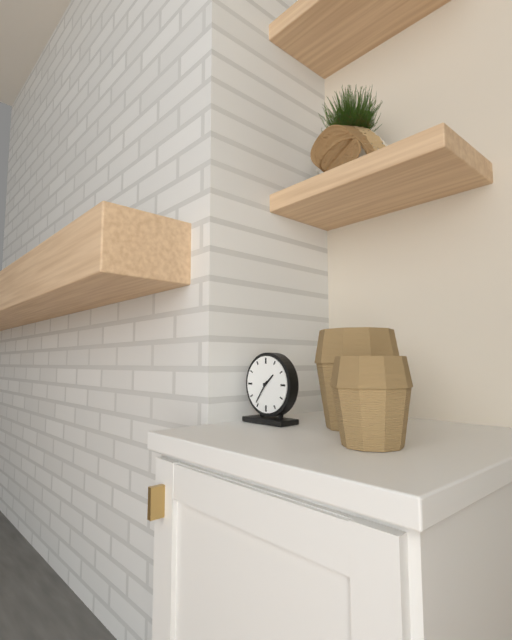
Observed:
1:36
